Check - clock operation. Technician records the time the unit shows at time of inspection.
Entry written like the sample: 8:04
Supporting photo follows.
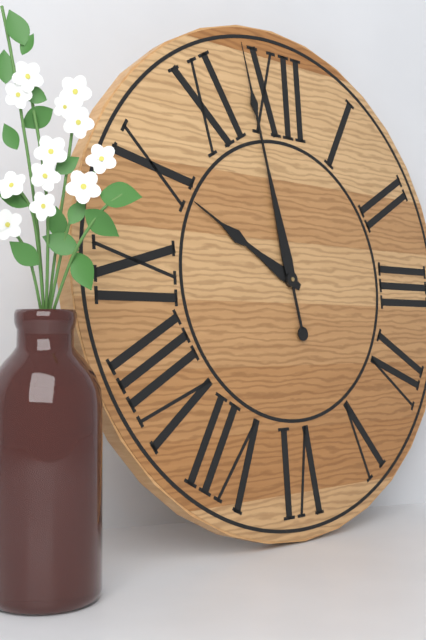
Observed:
9:58
